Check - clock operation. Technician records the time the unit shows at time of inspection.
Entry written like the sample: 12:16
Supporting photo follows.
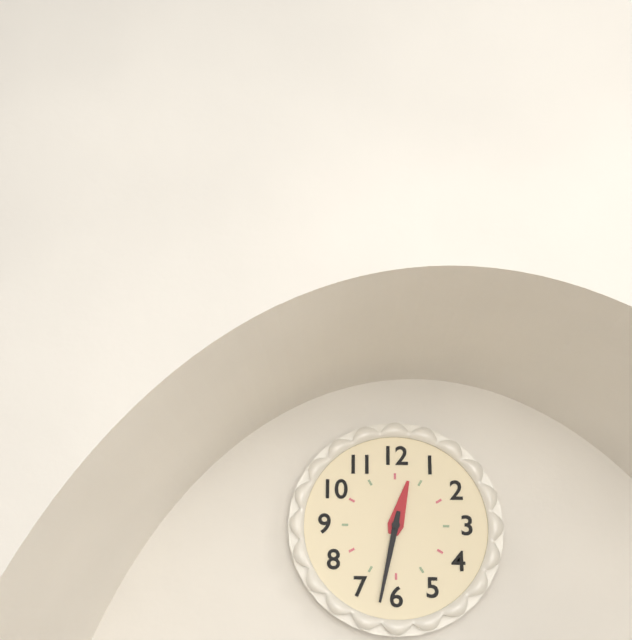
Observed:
12:32
